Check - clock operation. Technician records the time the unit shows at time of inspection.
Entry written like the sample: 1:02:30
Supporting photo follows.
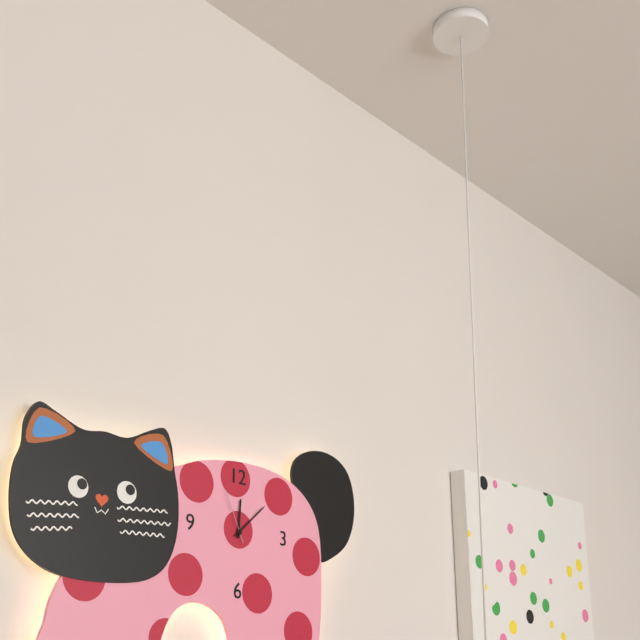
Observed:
12:08:56
